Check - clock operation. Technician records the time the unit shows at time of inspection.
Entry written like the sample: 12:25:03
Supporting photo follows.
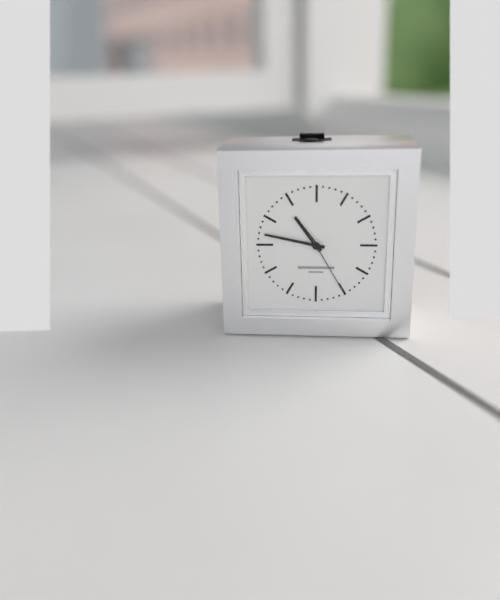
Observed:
10:47:25
